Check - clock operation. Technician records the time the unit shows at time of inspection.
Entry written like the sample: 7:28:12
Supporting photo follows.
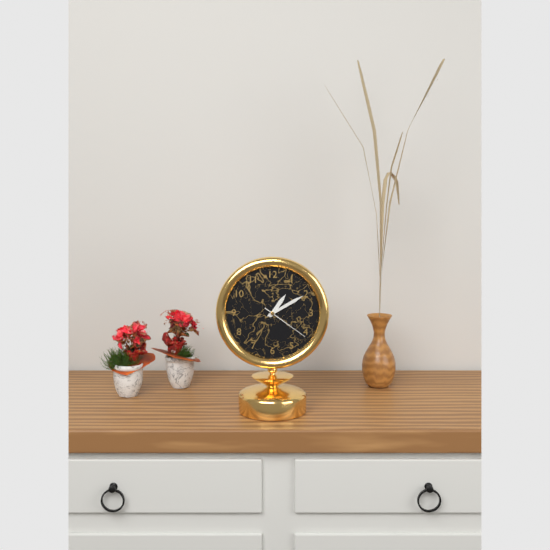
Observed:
1:10:21
